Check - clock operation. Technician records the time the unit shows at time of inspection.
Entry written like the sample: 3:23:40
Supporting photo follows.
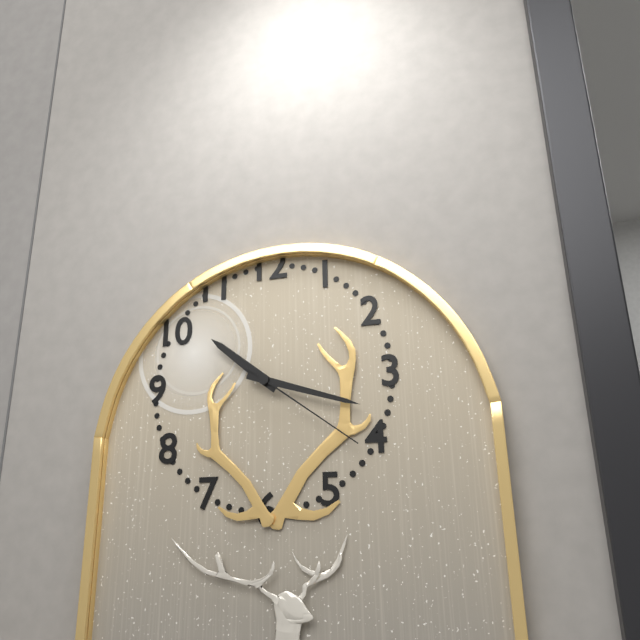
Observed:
10:18:21
